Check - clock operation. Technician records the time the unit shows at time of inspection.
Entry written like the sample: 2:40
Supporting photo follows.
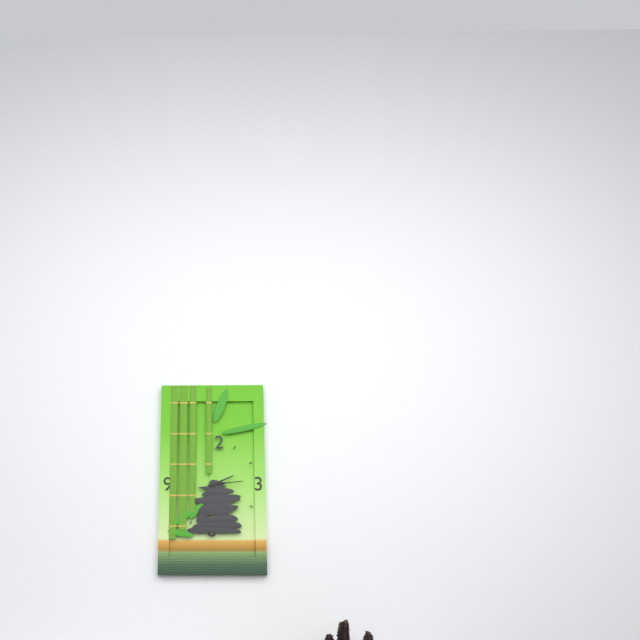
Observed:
2:14
